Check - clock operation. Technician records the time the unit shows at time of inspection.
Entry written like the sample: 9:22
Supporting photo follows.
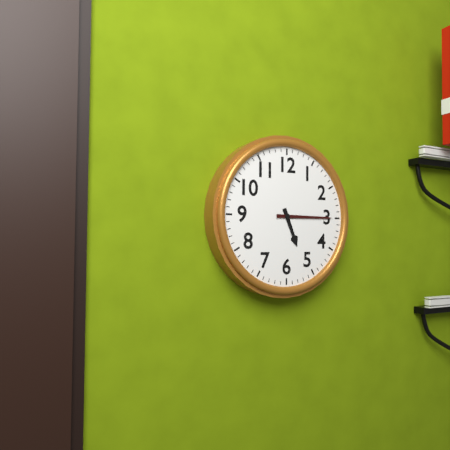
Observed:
5:15
